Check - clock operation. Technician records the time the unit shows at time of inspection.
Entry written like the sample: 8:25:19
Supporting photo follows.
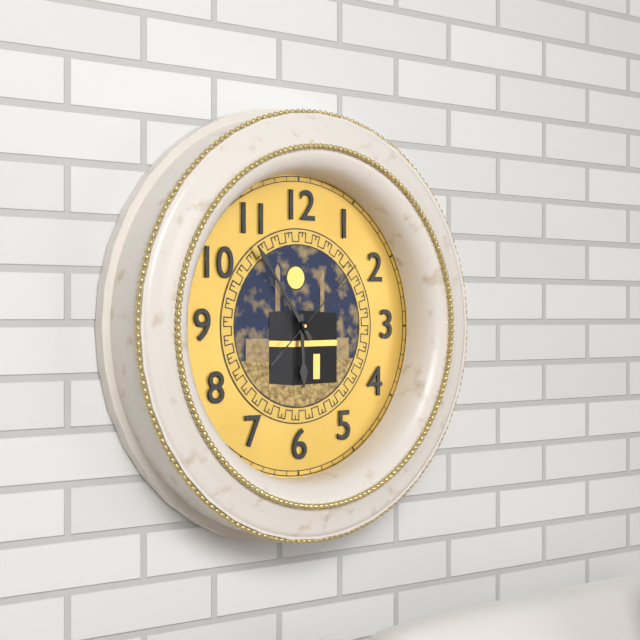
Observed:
5:54:08
